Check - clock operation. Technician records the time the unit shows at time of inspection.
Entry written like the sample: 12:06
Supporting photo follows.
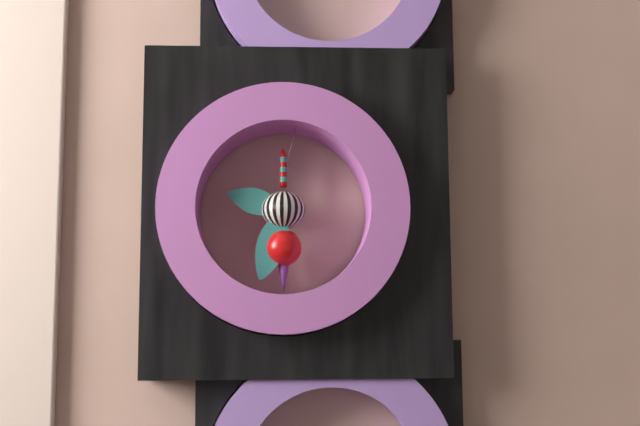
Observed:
9:33
